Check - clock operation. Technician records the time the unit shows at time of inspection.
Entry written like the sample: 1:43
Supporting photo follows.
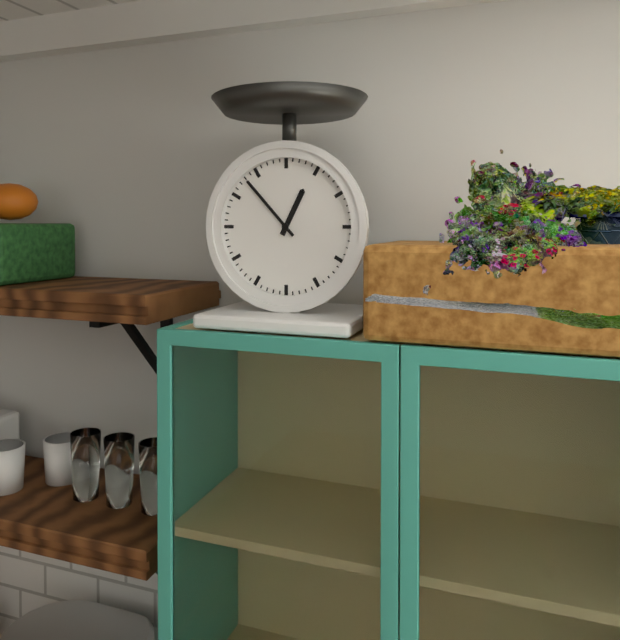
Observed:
12:53
